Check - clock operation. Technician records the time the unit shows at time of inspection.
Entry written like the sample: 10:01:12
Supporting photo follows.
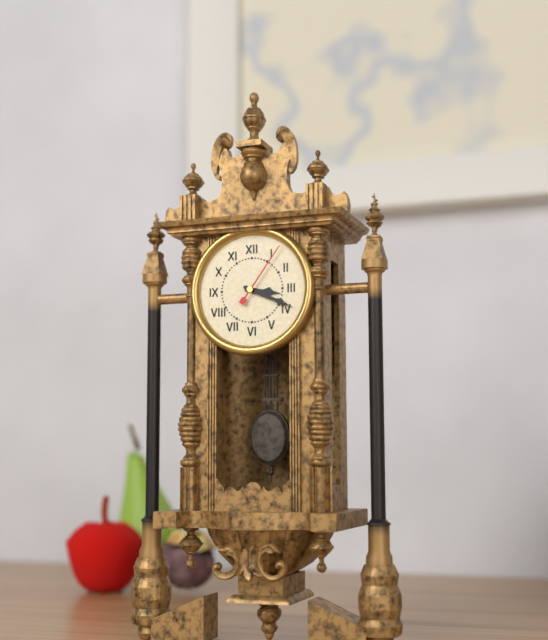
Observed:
3:19:06
